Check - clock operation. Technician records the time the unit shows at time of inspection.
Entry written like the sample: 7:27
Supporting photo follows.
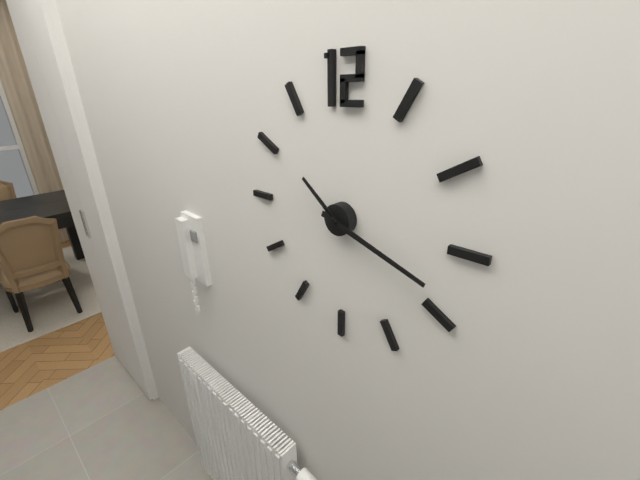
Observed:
10:18
